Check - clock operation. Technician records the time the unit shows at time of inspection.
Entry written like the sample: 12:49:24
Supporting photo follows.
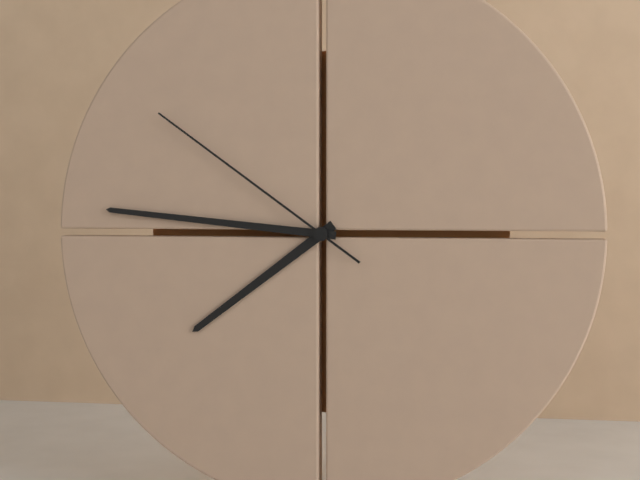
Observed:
7:46:51
